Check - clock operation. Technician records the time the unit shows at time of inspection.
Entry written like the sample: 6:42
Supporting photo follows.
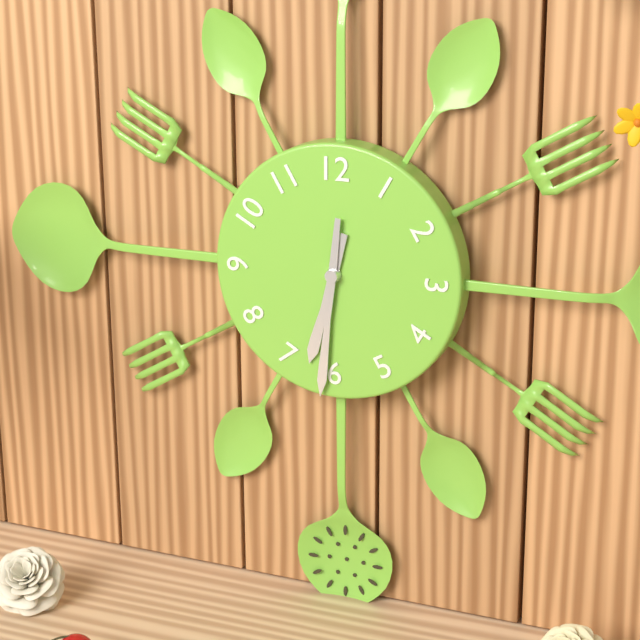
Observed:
6:31
